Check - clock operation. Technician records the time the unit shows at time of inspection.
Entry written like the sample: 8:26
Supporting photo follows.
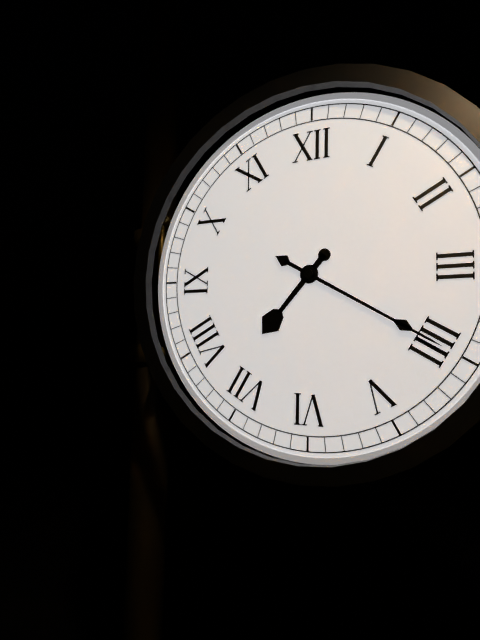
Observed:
7:20
